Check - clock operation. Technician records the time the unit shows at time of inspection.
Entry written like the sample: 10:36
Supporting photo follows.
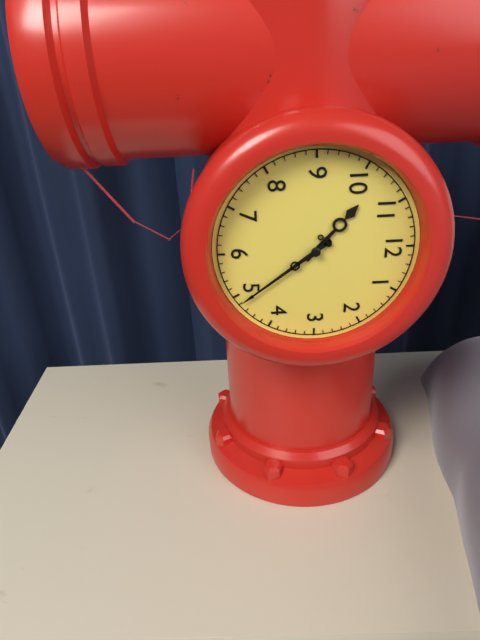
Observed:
10:24
